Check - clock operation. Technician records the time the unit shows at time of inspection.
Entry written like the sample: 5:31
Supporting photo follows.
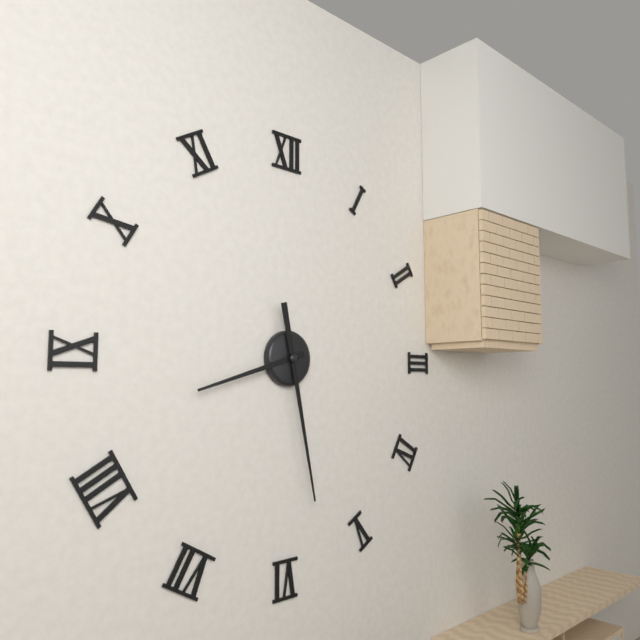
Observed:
8:28
